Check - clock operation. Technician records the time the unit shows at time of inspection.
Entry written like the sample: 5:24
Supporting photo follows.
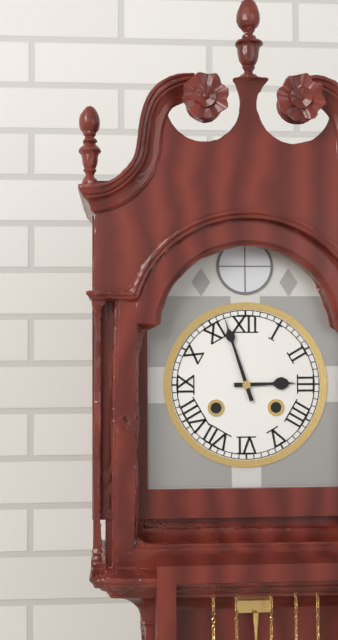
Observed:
2:57
